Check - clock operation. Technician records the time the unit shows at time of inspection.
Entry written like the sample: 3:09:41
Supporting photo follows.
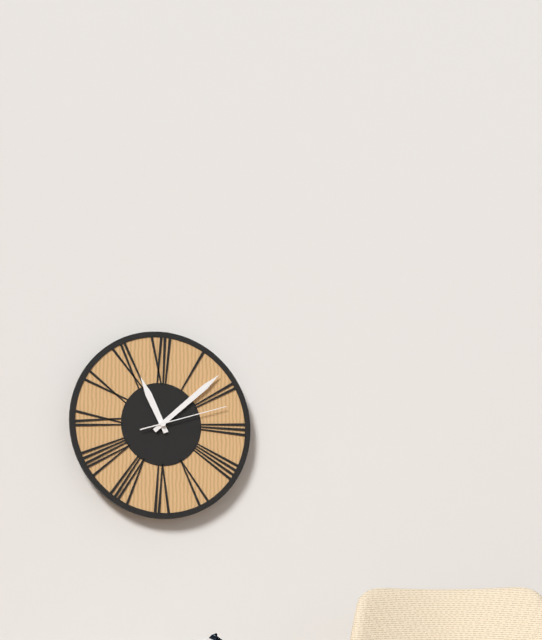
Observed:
11:08:12
